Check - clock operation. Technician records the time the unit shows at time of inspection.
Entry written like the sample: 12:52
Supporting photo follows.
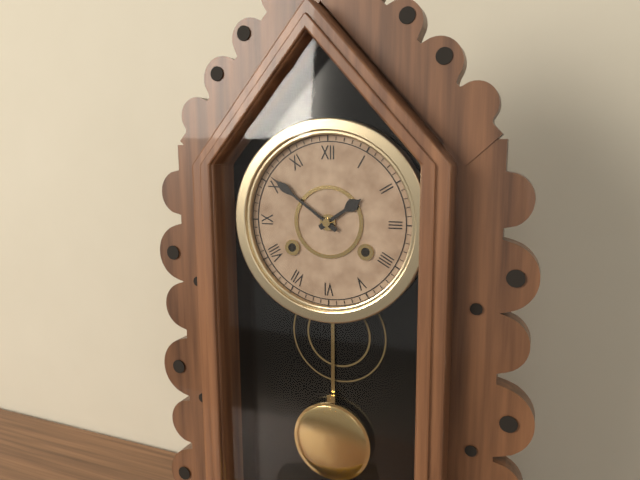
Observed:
1:51
